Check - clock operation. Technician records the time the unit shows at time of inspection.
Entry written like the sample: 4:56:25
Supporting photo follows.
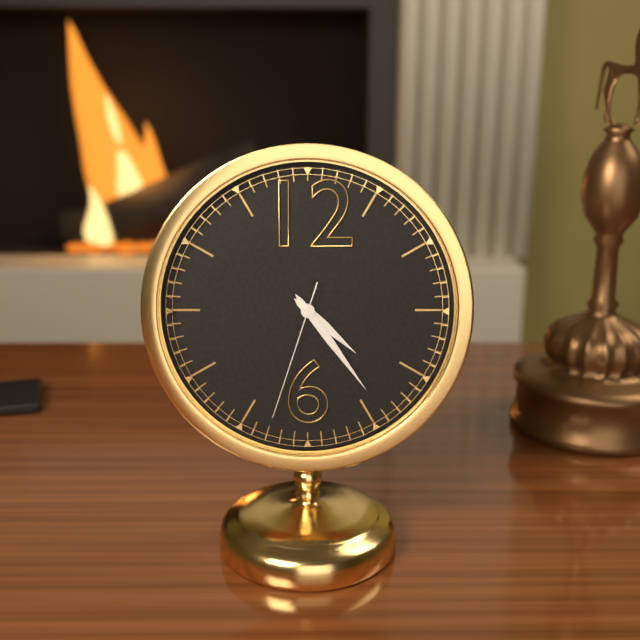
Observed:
4:24:33
